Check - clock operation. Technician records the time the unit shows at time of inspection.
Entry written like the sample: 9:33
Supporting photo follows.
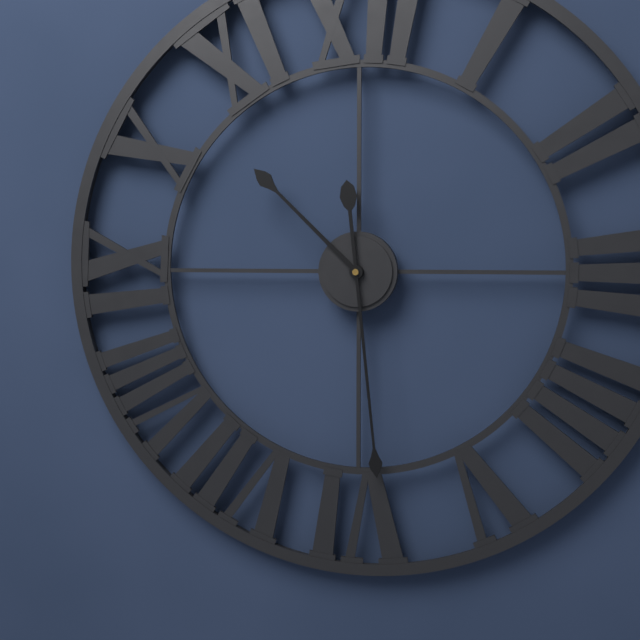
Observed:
10:29
